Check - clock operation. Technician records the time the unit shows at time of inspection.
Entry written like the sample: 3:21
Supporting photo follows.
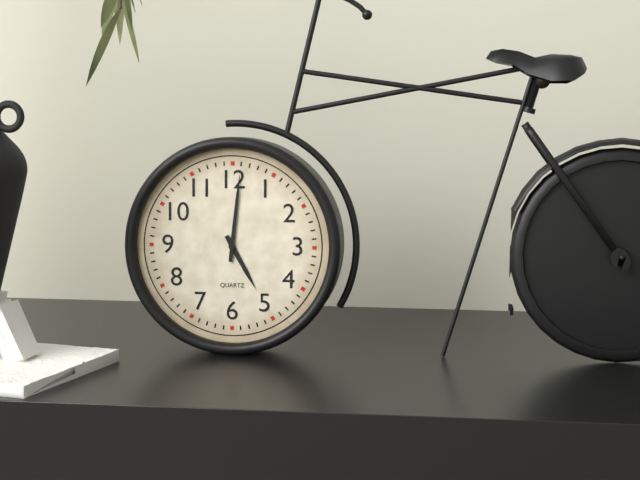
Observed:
5:01
